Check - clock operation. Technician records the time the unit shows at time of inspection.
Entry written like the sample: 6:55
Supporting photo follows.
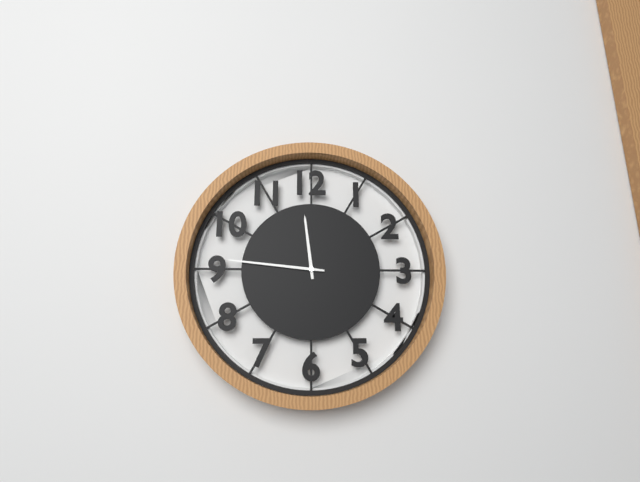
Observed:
11:46
